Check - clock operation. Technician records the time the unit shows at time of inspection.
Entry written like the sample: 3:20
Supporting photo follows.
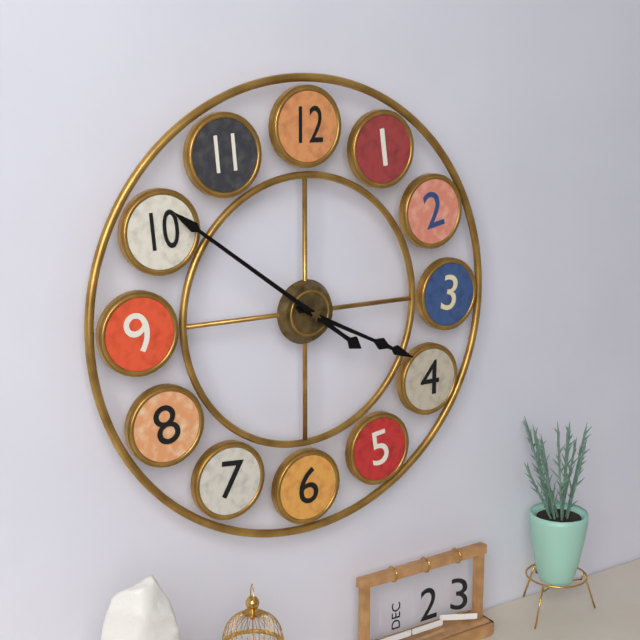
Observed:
3:51
